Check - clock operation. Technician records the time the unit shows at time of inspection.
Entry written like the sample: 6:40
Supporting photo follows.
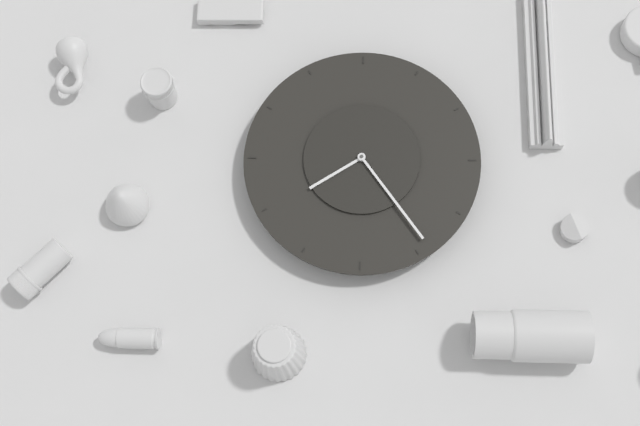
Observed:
1:54
